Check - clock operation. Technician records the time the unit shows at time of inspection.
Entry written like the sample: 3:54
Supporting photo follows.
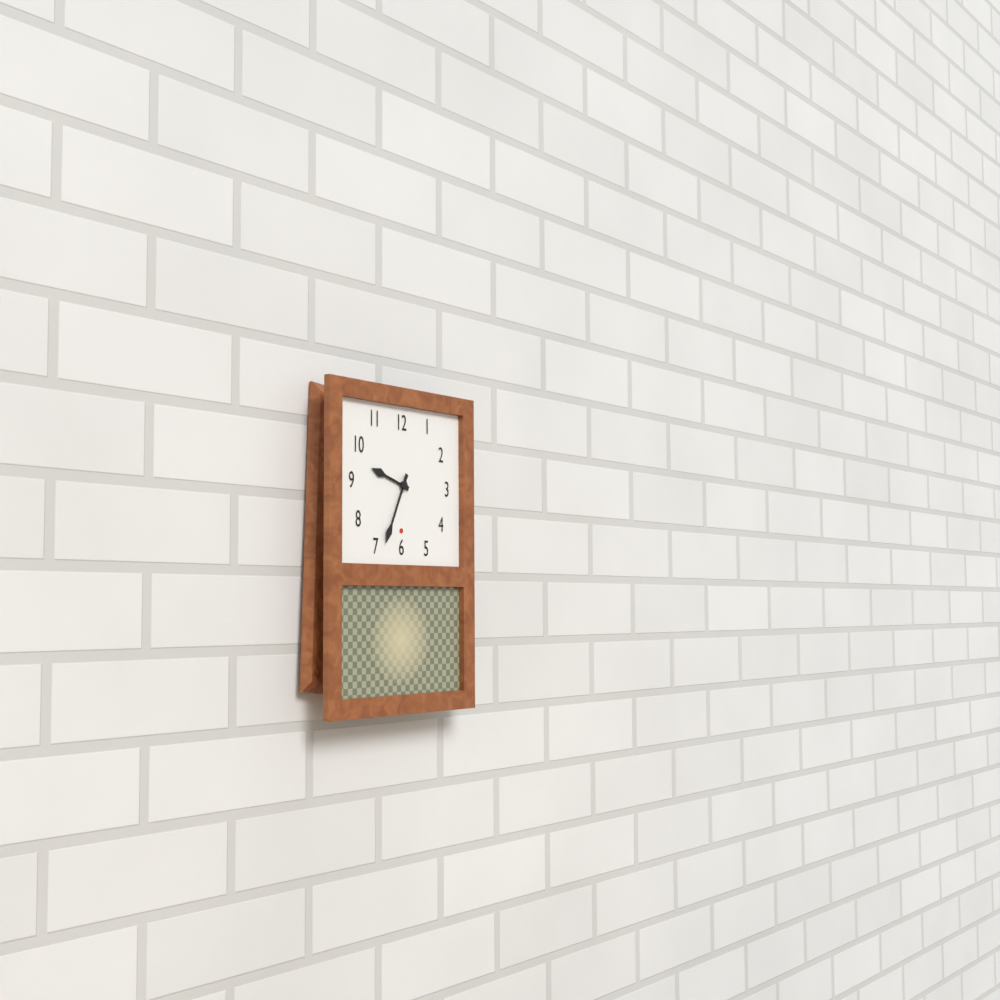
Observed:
9:34
